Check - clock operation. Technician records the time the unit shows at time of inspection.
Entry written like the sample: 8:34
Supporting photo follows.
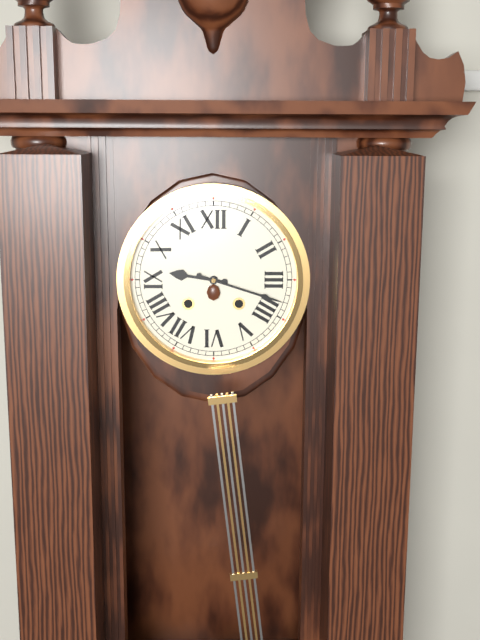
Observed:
9:18
